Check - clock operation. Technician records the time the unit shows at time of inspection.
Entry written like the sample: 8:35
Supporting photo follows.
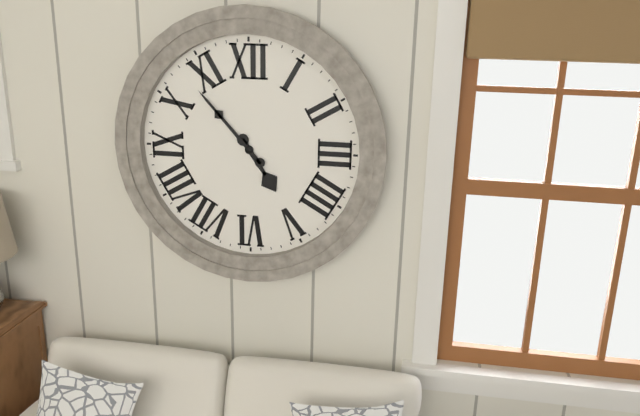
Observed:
4:53
